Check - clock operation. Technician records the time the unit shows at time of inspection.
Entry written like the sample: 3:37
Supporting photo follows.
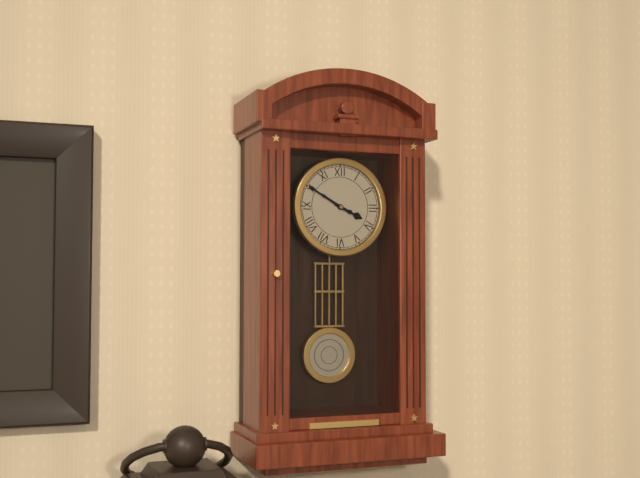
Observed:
3:50
